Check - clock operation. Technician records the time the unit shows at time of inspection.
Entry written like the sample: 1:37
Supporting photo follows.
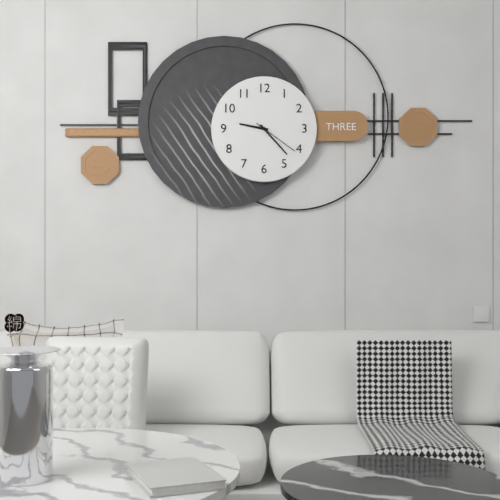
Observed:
9:23
